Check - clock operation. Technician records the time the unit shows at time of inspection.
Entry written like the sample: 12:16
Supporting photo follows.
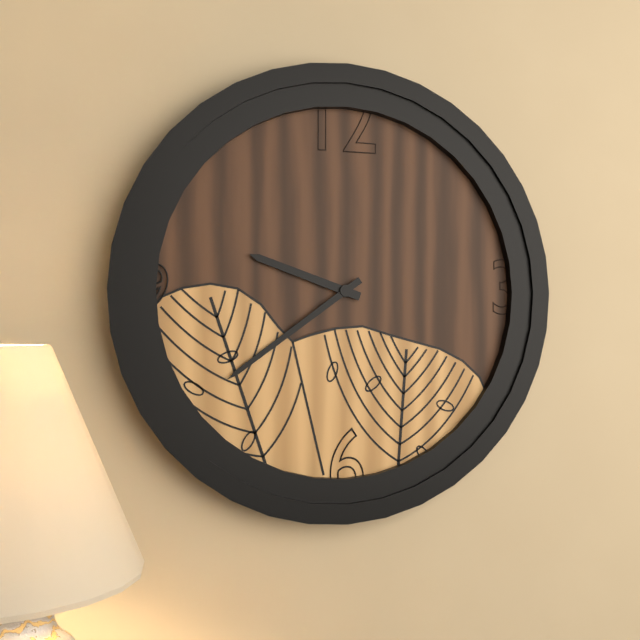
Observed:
9:39
